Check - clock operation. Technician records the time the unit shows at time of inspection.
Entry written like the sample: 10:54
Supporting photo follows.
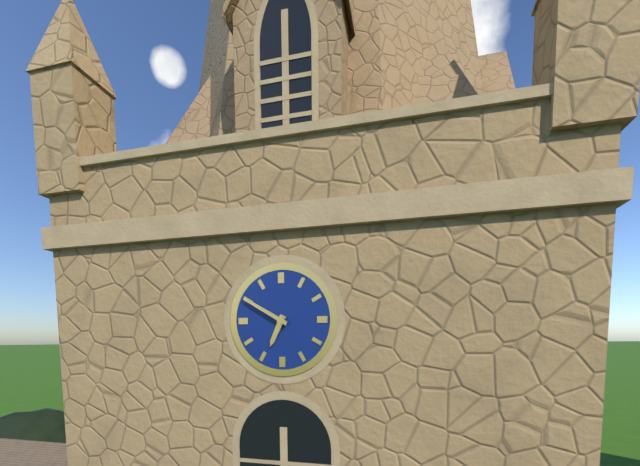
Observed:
6:50
